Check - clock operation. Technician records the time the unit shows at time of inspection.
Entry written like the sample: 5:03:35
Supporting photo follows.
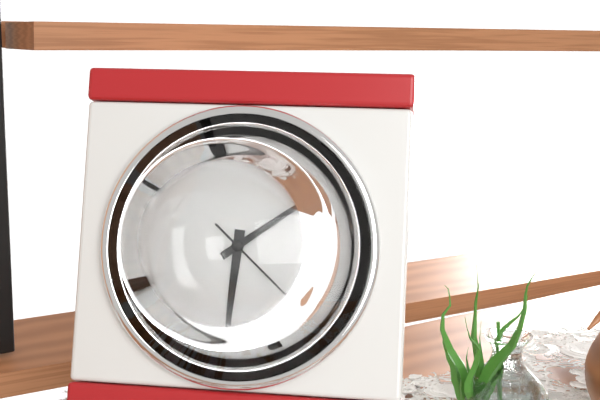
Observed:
6:09:22
